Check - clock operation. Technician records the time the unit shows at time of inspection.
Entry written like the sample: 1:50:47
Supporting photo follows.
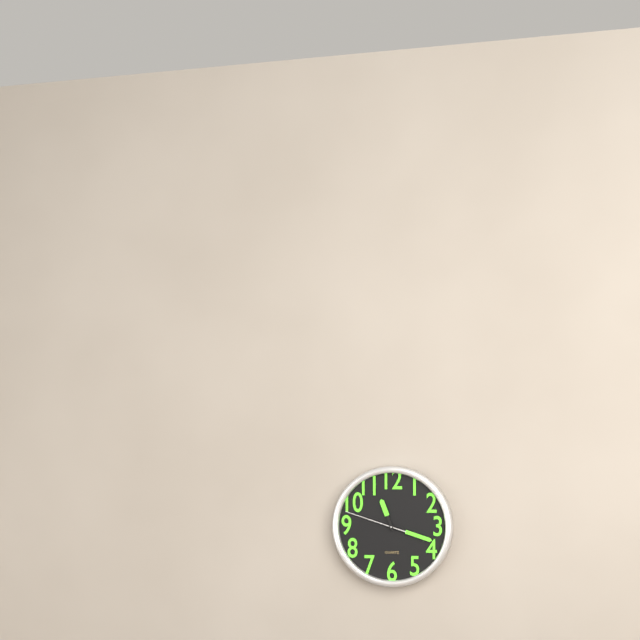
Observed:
11:18:48
